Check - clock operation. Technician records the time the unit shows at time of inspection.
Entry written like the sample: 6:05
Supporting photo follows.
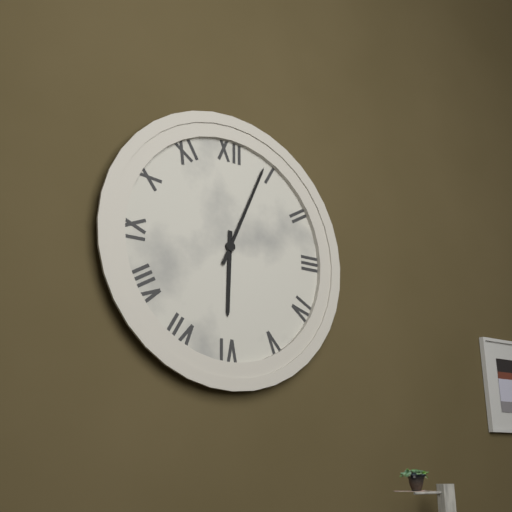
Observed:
6:04
